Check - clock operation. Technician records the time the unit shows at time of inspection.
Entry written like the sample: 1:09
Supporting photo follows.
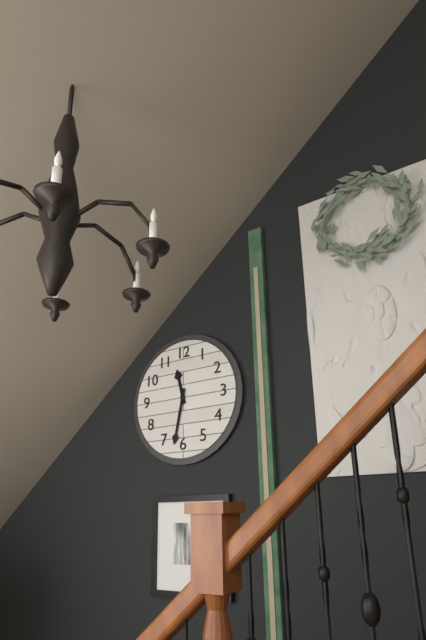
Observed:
11:32
